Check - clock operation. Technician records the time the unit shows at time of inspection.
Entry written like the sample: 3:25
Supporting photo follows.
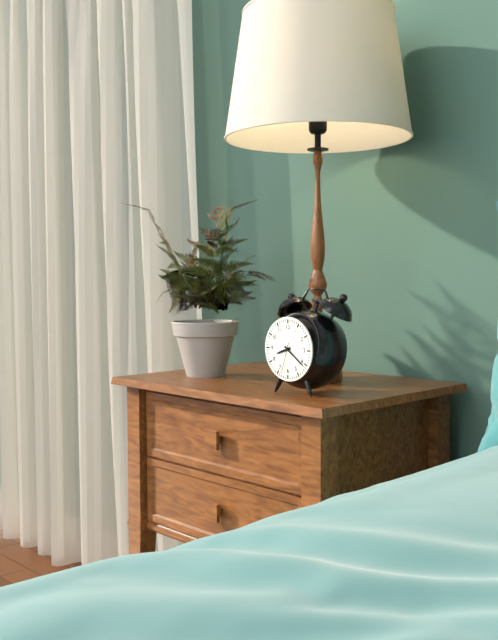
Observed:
8:21
